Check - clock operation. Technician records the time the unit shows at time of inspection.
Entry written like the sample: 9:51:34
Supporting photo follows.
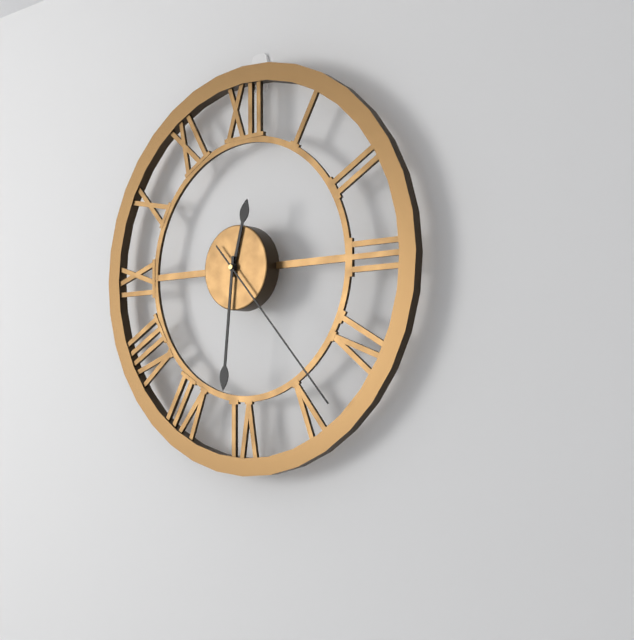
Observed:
12:31:23
